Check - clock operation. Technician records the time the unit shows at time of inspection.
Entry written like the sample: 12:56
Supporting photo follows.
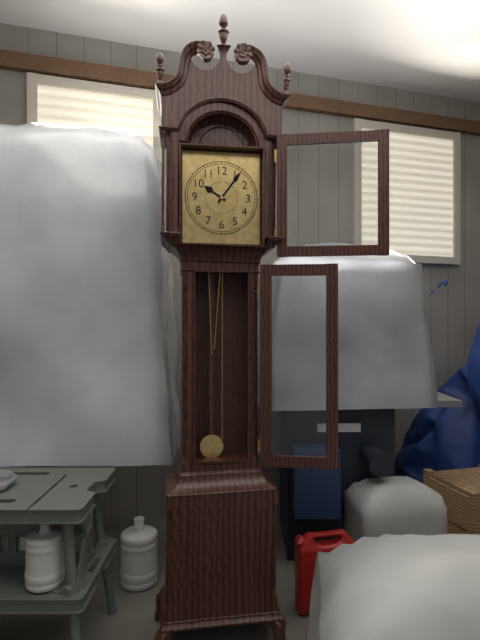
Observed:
10:06
